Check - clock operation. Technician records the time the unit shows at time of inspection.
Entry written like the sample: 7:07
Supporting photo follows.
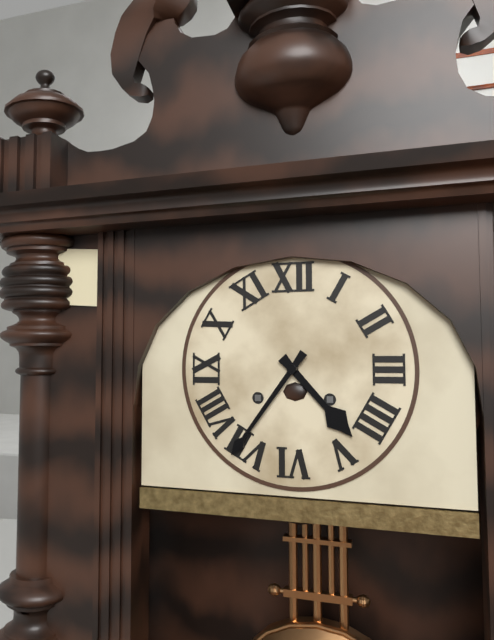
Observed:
4:36
